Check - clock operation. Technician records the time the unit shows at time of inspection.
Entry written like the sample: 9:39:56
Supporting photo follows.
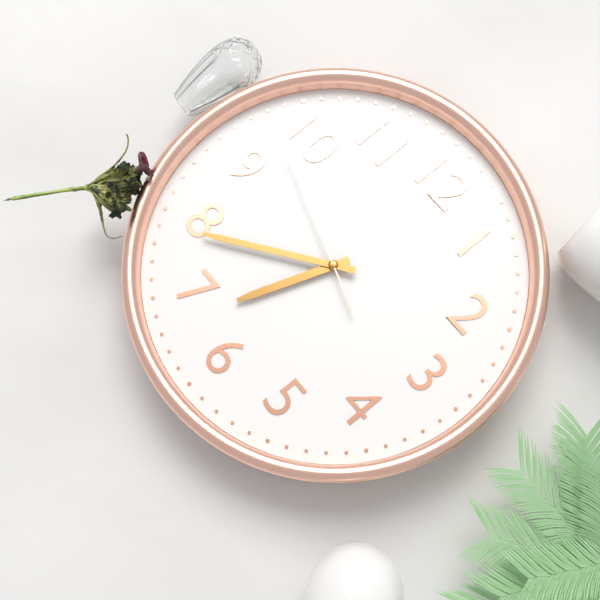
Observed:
6:39:48
